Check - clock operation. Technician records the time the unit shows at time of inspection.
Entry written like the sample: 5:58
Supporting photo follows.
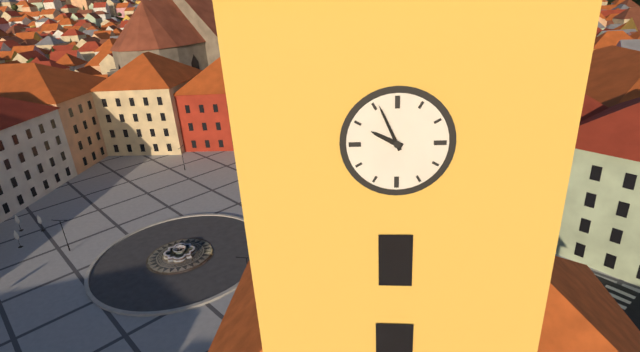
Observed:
9:56
